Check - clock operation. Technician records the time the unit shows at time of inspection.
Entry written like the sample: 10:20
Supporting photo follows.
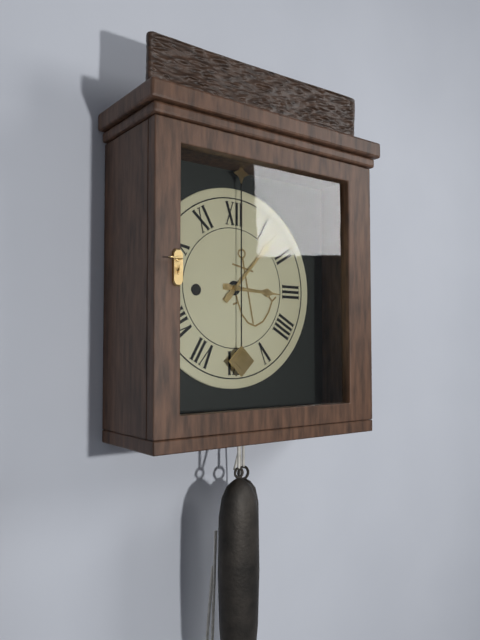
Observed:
3:07
